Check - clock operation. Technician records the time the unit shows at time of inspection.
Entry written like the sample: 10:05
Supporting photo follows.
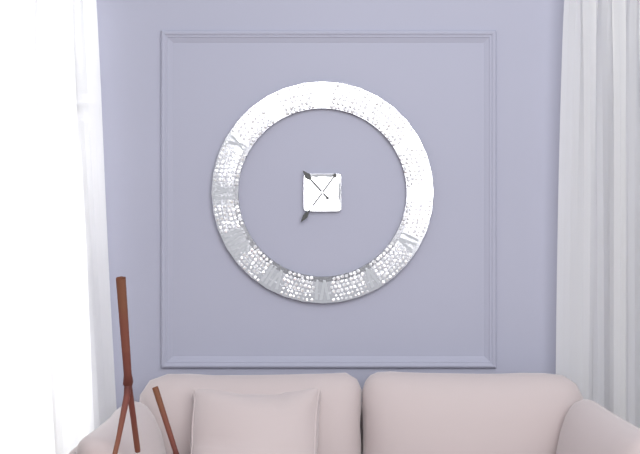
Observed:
10:36
